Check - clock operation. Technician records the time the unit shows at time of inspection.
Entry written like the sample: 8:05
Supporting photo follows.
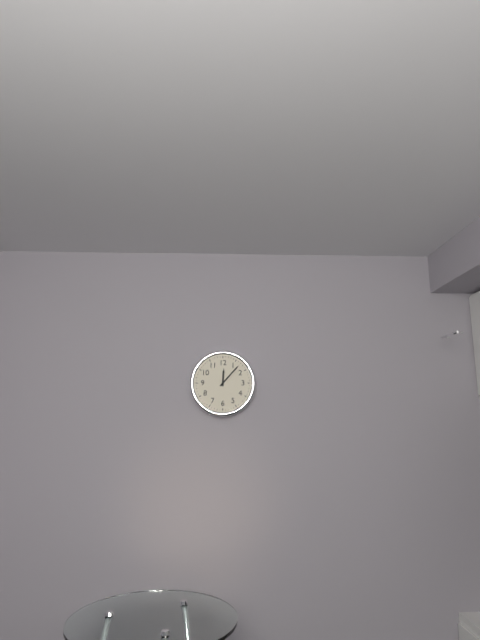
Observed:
12:07
